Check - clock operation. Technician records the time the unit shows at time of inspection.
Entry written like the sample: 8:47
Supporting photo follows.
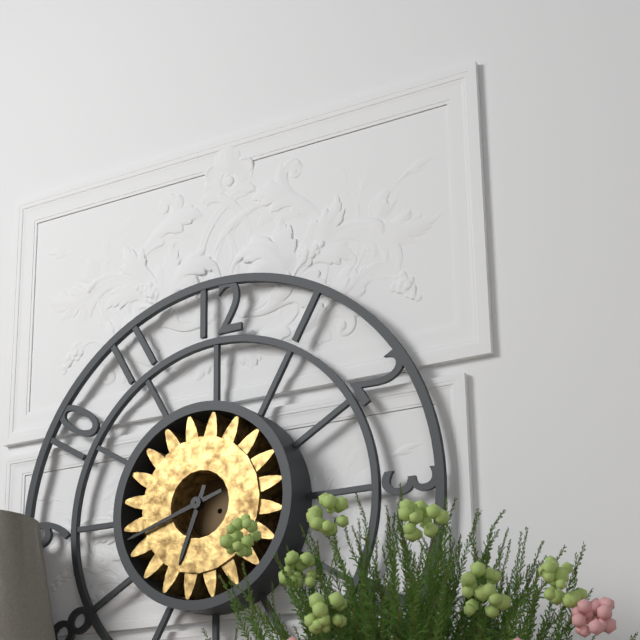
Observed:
6:42
